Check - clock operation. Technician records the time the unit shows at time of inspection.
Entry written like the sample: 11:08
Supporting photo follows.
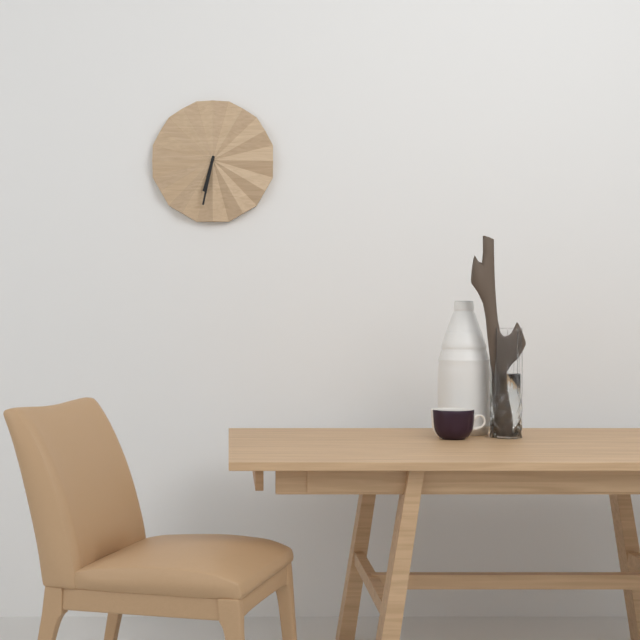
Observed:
6:32
